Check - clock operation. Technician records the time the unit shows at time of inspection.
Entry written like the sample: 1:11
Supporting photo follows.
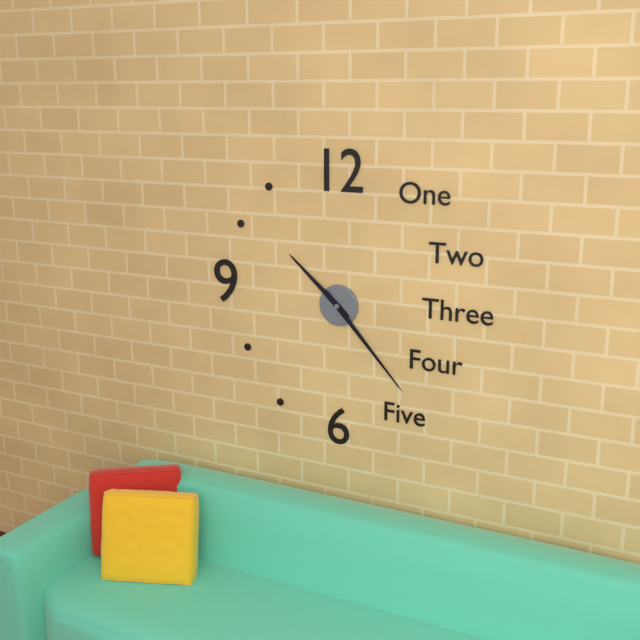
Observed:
10:23
